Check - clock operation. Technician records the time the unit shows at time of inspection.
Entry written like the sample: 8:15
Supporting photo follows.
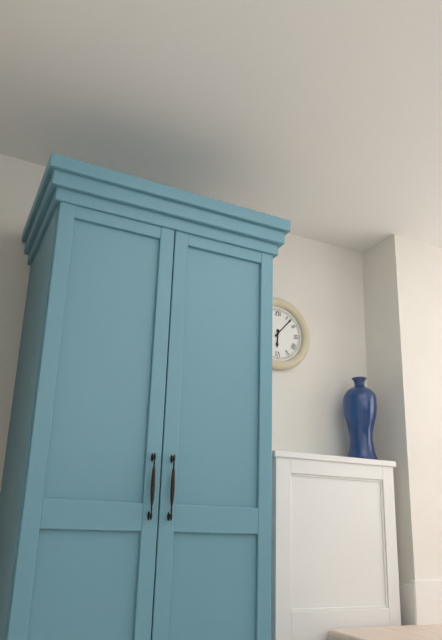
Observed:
6:07
